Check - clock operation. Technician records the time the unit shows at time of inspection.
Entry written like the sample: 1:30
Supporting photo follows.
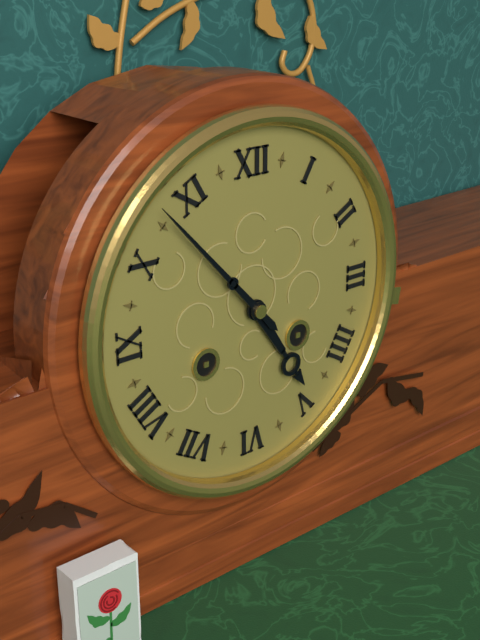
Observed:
4:53
